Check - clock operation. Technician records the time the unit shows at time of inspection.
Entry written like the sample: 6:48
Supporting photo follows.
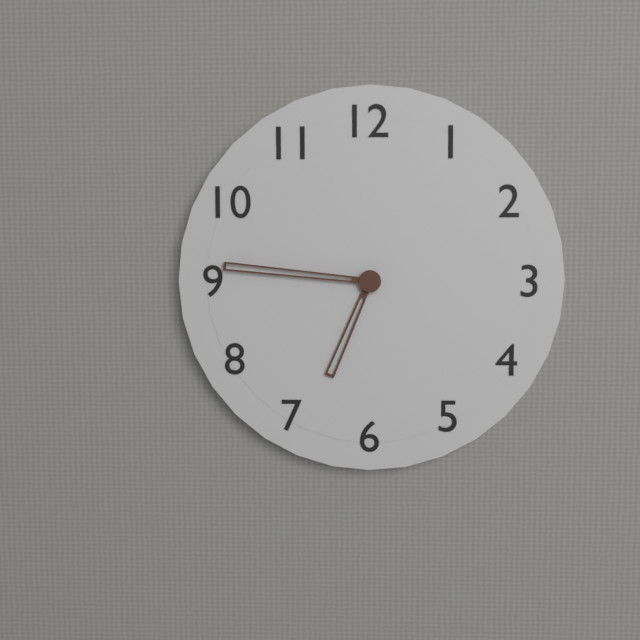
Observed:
6:46
